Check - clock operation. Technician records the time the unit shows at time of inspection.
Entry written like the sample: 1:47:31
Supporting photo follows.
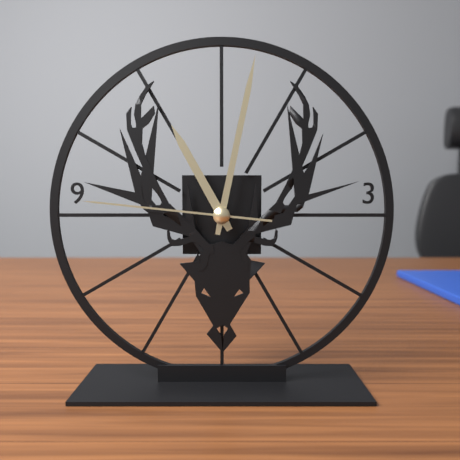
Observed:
11:02:46
